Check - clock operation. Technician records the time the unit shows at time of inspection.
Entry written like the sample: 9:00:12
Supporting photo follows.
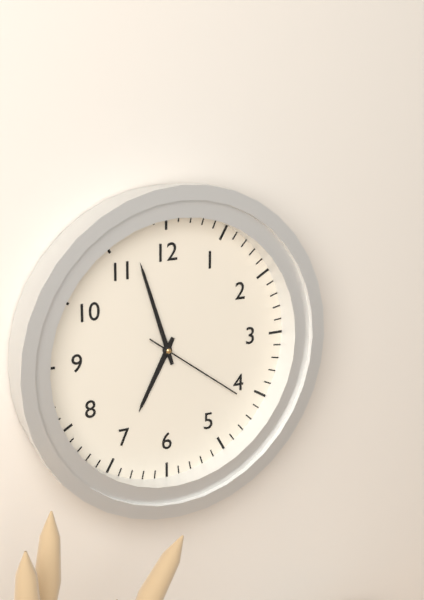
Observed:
6:57:21
